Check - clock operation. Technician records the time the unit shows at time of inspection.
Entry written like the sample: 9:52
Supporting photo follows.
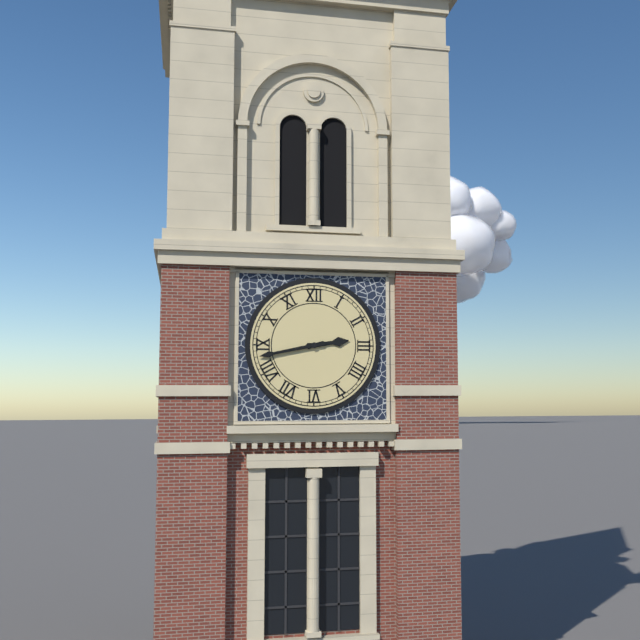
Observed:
2:43
